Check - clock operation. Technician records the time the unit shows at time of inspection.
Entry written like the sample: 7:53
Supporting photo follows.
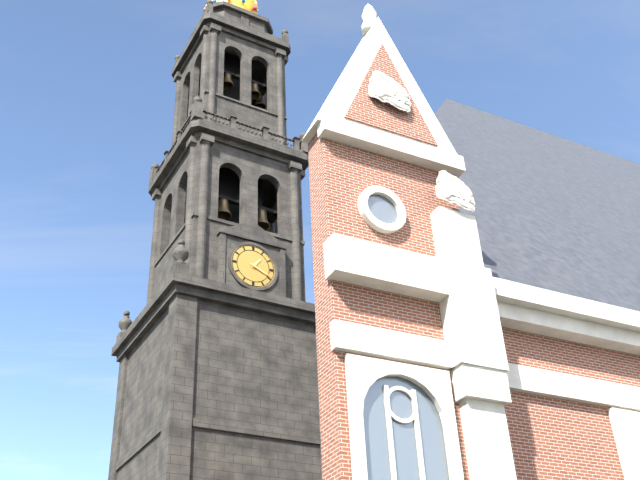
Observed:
1:19
